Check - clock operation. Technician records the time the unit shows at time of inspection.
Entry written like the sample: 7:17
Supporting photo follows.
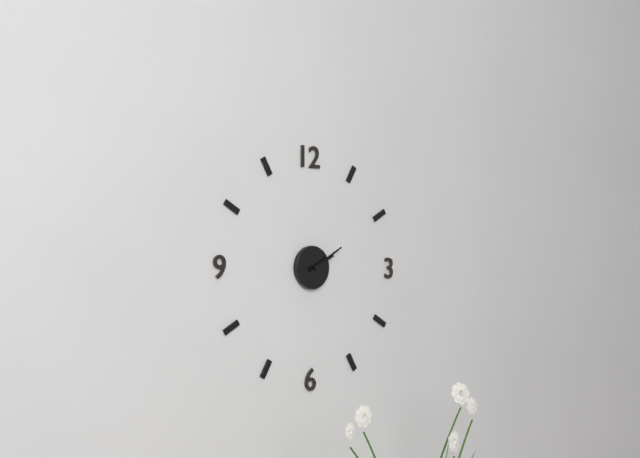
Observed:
2:10
